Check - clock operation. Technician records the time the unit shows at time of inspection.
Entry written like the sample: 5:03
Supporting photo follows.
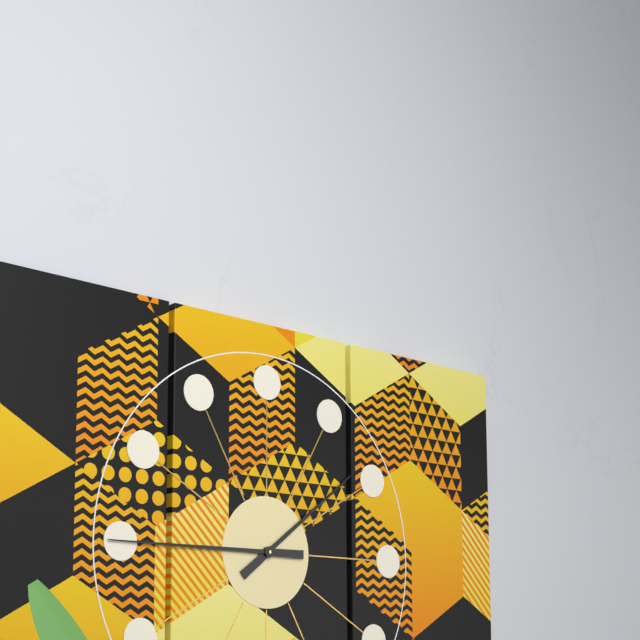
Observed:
1:45
